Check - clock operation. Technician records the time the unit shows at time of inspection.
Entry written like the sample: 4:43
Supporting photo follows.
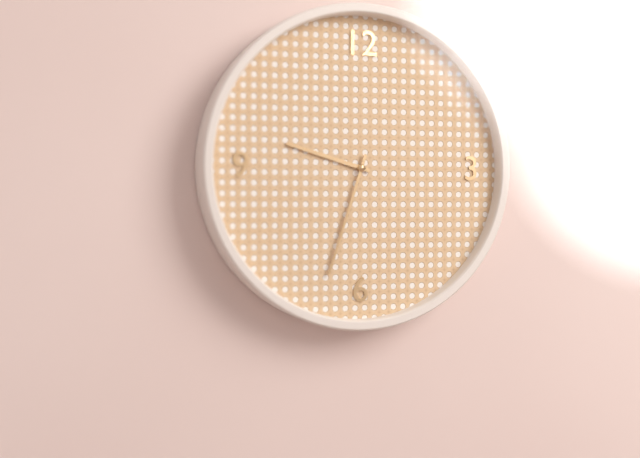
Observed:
9:33
